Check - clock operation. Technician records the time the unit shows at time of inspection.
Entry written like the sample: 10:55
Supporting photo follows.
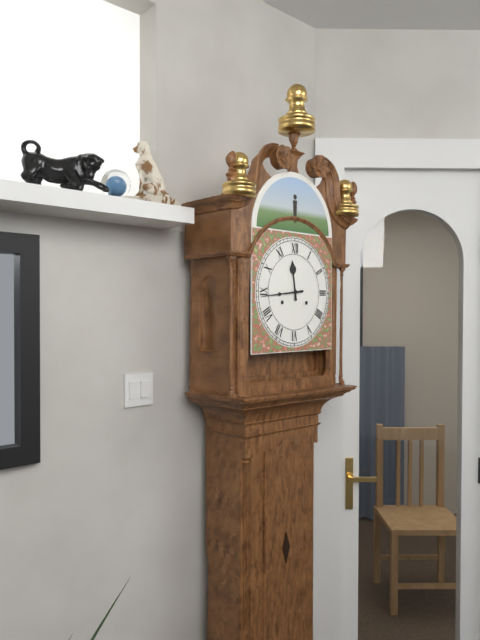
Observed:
11:44
